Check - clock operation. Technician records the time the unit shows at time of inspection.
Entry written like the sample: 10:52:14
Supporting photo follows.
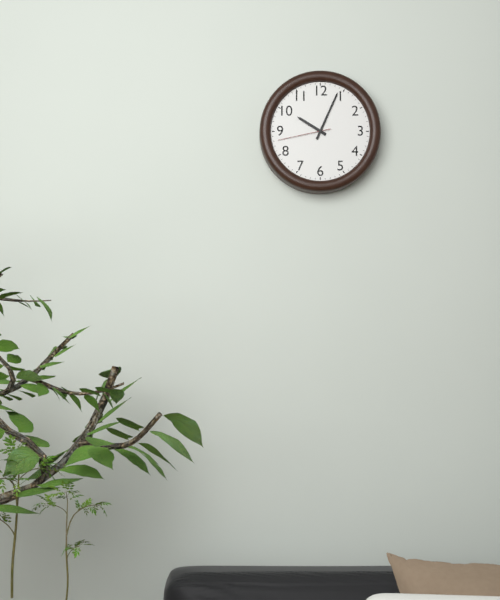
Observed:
10:04:43
